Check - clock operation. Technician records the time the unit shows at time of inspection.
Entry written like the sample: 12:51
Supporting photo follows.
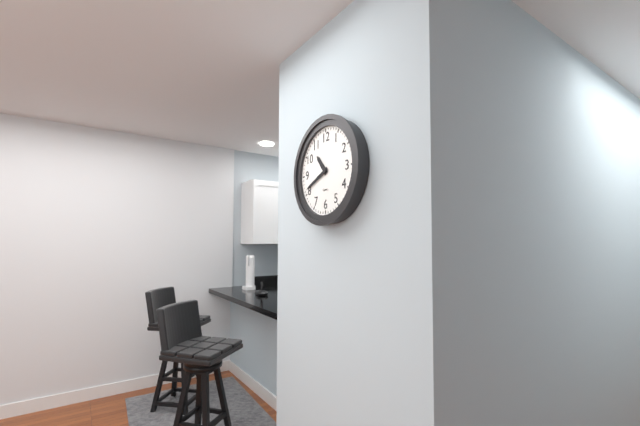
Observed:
10:41
